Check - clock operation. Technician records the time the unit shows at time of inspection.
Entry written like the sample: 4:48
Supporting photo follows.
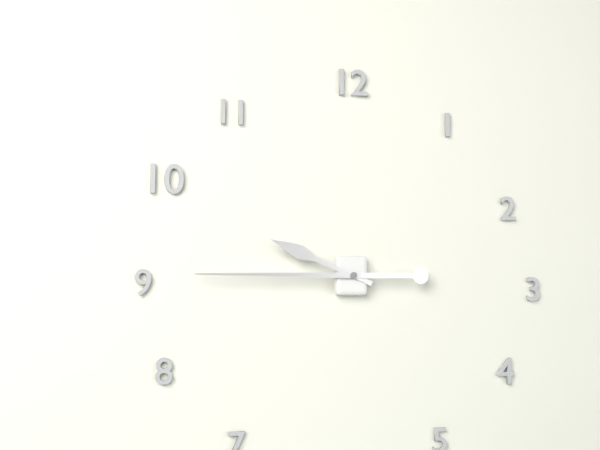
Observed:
9:45
